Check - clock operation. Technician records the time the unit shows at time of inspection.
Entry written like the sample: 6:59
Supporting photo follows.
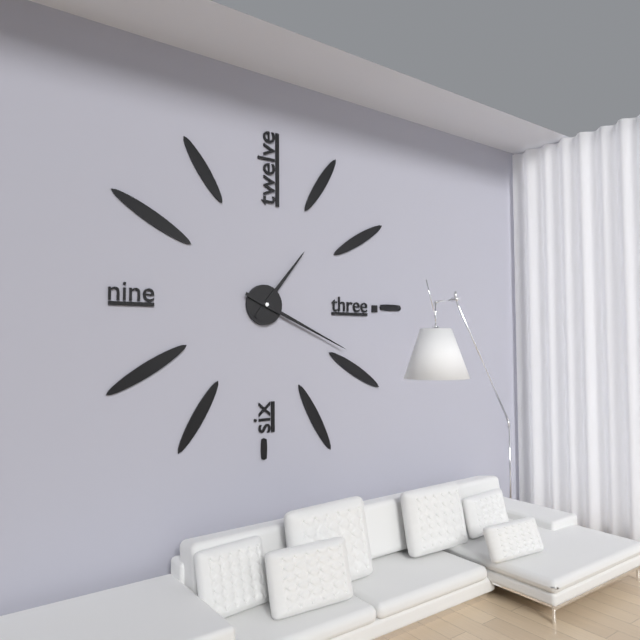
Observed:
1:19
